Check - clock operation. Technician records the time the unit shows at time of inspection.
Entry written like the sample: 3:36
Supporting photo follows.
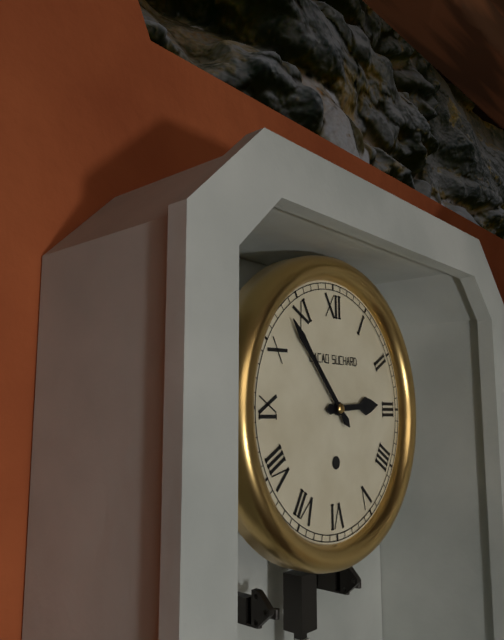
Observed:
2:53
